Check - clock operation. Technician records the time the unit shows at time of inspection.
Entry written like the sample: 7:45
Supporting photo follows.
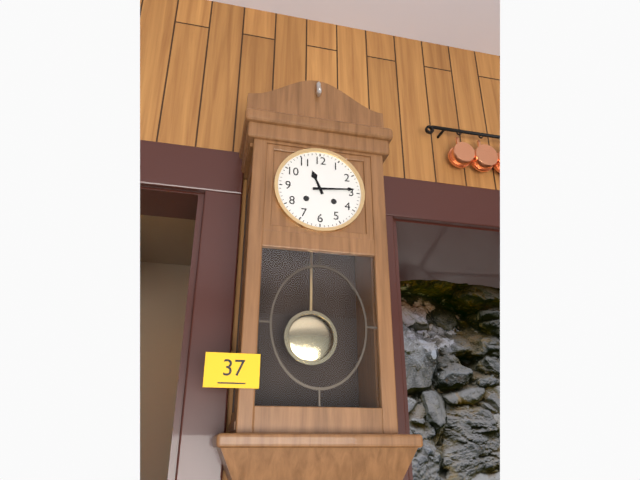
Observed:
11:14
